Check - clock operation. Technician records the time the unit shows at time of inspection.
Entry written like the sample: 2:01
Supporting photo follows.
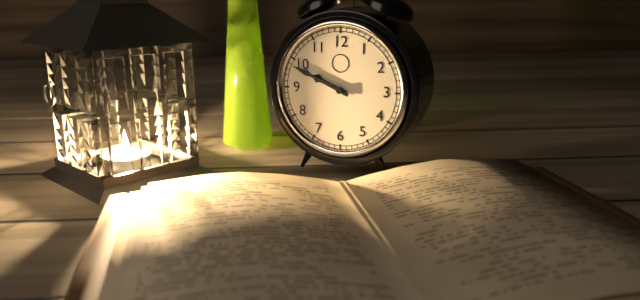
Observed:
9:49
